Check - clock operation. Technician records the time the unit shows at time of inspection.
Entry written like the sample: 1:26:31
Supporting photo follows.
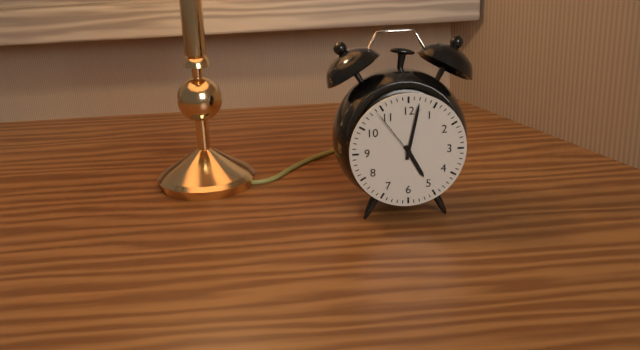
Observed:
5:02:54
